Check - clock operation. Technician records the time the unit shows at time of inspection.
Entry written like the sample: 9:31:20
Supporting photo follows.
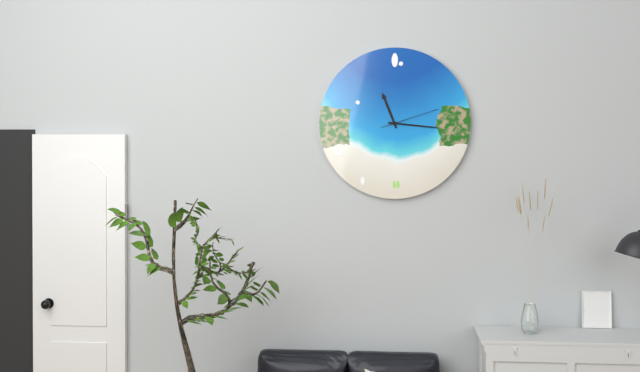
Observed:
11:16:12
